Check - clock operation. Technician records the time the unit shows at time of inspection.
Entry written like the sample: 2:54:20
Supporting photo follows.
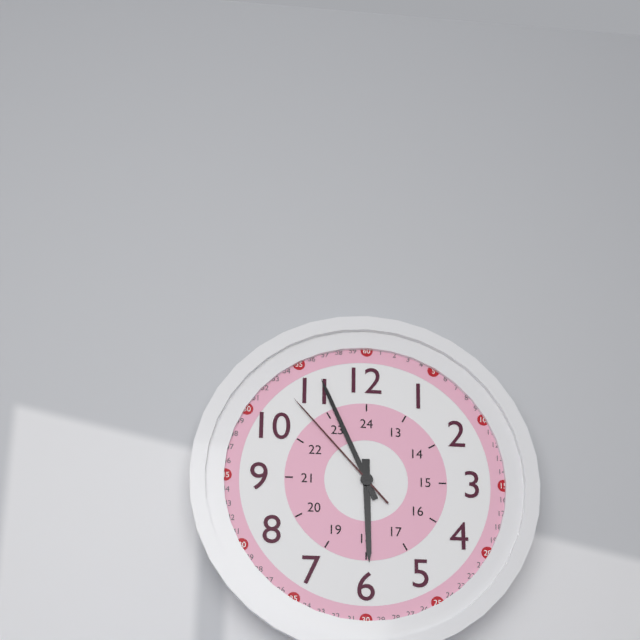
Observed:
5:56:53
